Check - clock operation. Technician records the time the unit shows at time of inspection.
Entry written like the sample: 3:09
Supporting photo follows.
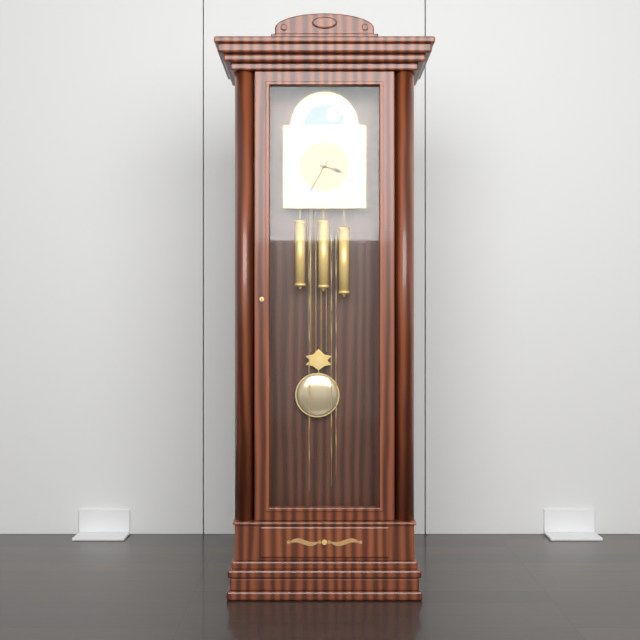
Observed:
3:35
